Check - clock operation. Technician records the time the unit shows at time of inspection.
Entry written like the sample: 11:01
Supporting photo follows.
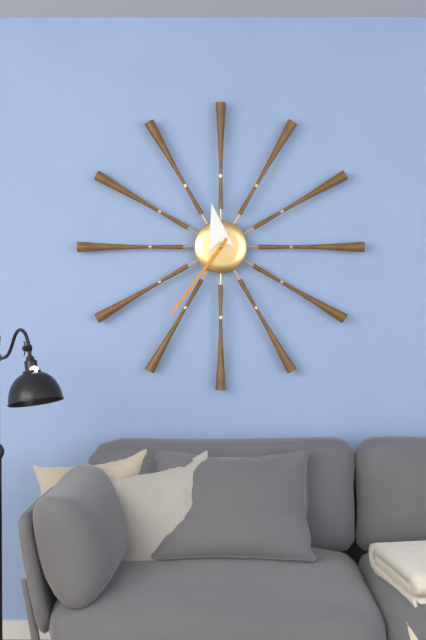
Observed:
11:36
